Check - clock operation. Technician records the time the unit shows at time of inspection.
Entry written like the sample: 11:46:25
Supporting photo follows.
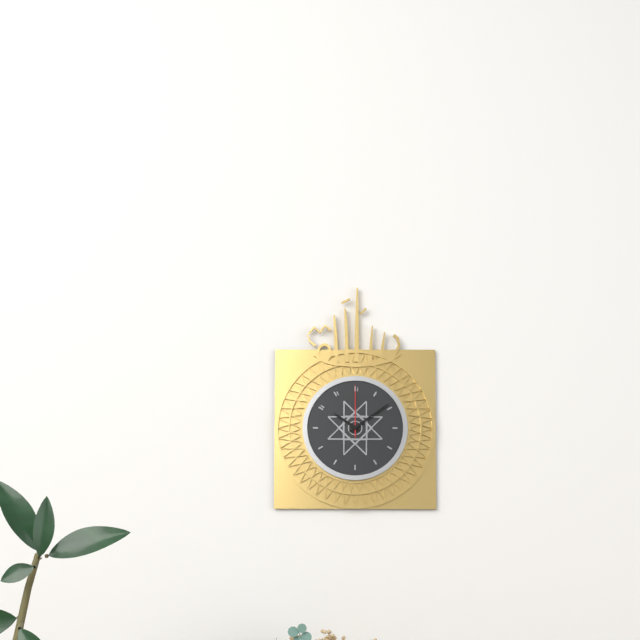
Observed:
10:09:00
